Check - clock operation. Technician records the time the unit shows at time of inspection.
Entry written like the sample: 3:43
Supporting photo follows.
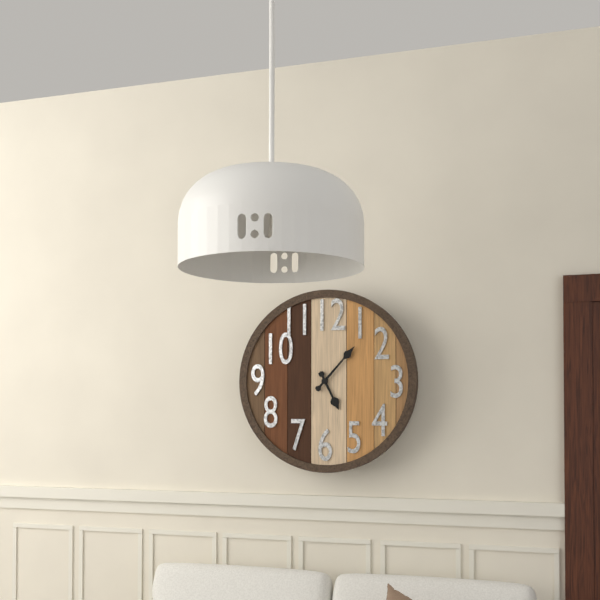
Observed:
5:07
